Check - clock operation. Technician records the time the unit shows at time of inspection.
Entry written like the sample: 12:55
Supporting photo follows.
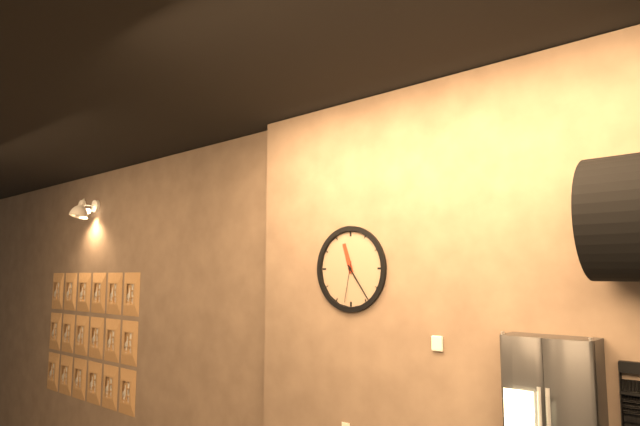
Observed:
11:24
